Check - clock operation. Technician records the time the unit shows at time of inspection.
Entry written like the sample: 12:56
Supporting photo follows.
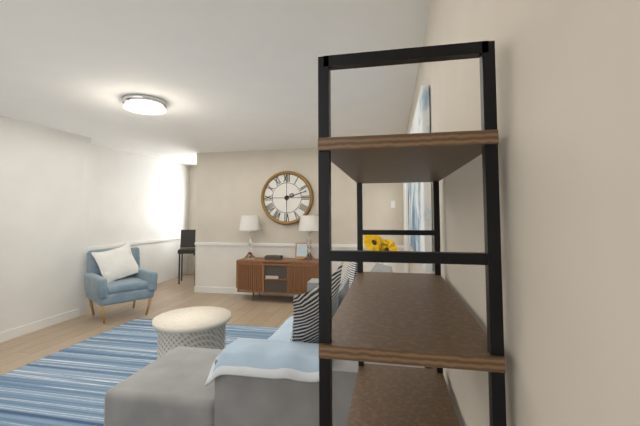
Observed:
2:12
